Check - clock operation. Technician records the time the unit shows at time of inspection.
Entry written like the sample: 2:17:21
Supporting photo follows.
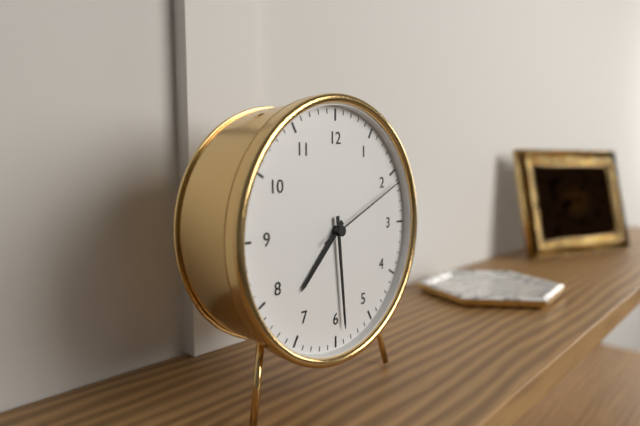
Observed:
7:29:11
